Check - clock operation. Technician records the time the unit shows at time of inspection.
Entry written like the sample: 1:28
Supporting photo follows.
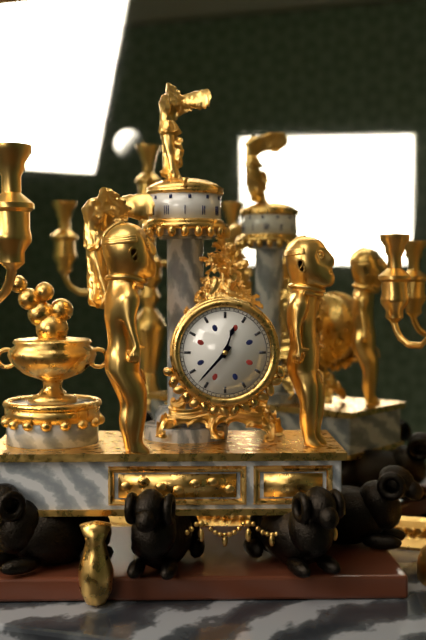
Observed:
12:37
